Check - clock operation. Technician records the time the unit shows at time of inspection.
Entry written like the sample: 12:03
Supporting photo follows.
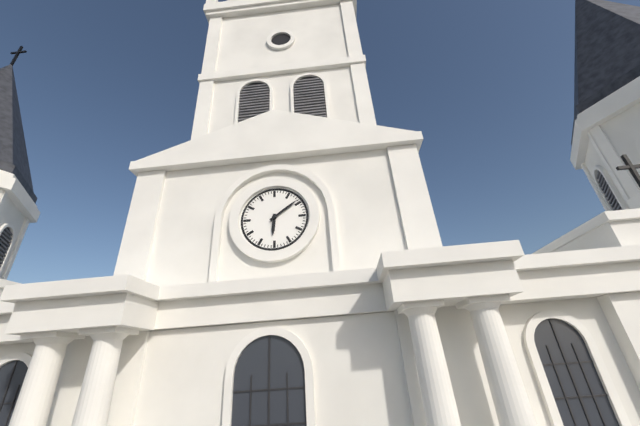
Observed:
6:09
